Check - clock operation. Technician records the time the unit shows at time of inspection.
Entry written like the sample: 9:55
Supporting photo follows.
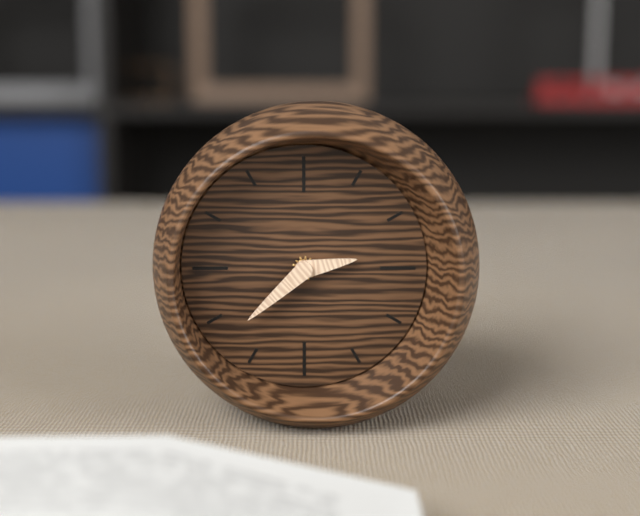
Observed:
2:38
